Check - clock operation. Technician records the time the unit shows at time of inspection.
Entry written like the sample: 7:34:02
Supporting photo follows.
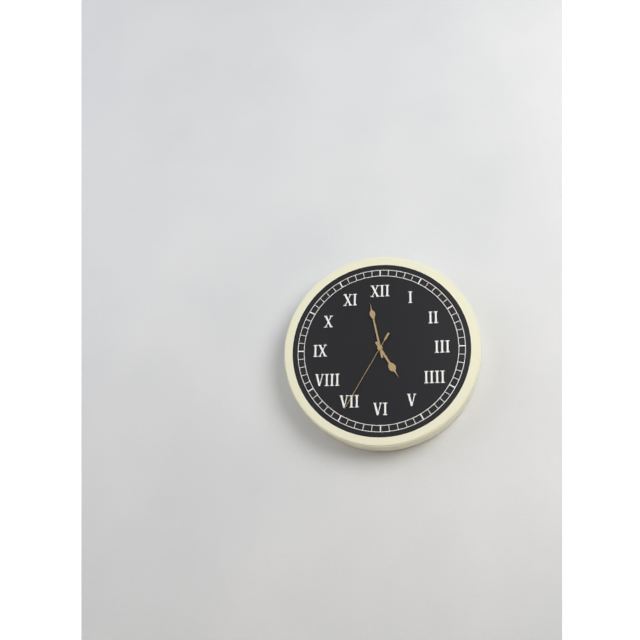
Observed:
4:58:35
